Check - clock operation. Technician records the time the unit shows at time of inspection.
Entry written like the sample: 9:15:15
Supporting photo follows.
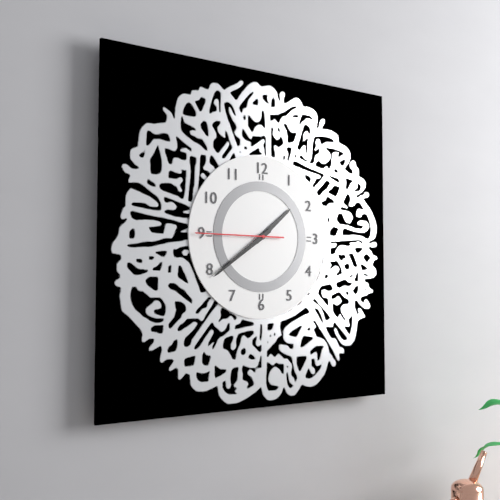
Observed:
1:39:45
